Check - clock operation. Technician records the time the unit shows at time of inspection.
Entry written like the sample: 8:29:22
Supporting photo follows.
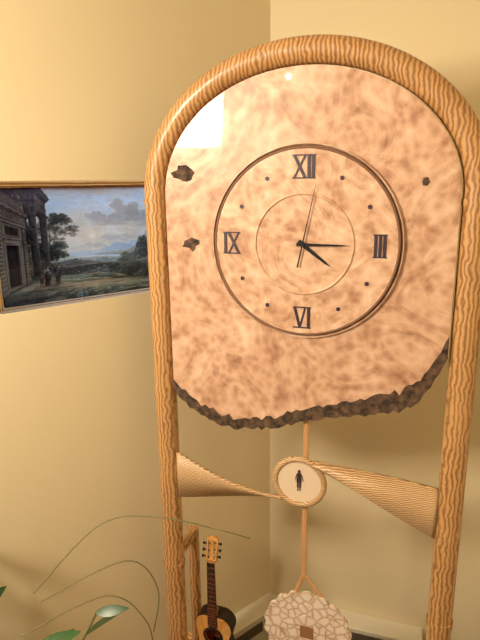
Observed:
4:15:02
